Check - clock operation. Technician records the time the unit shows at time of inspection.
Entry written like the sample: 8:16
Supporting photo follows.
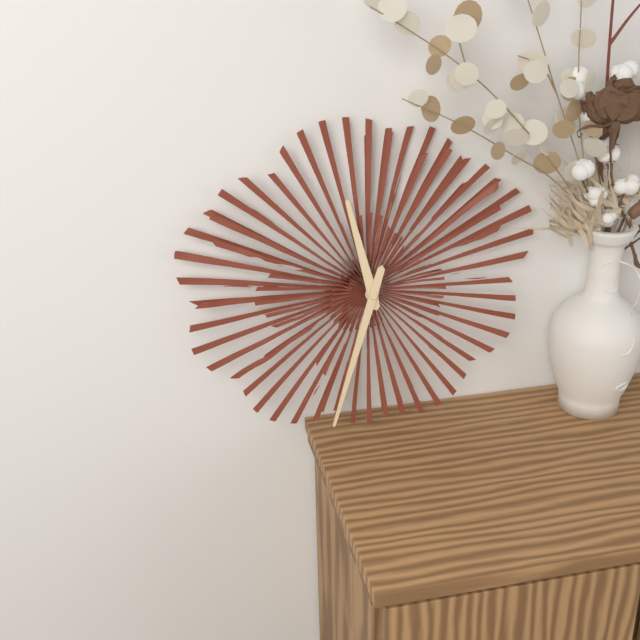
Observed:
11:33
